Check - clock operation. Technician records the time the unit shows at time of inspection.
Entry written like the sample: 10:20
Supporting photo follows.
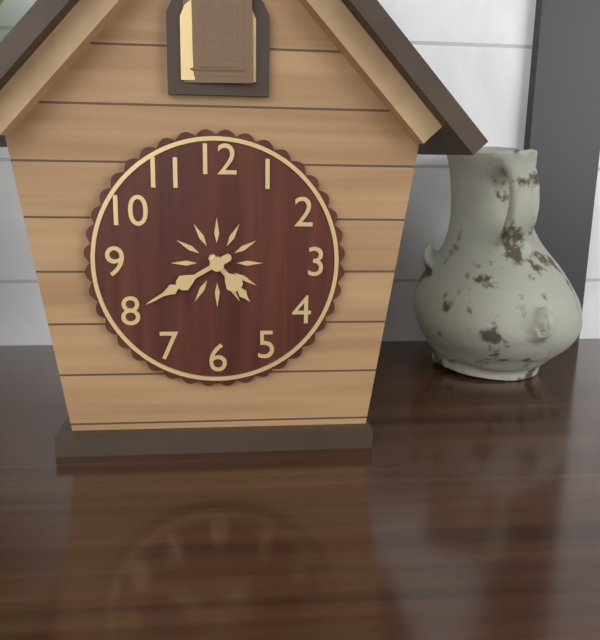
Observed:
4:40
